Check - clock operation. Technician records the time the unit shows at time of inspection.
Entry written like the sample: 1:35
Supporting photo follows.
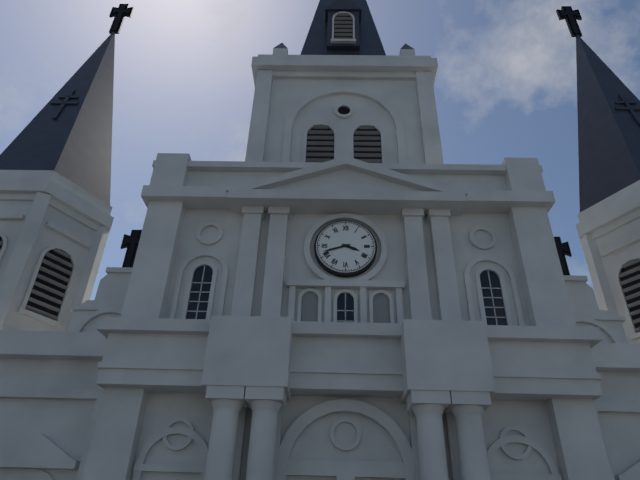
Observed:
3:42
